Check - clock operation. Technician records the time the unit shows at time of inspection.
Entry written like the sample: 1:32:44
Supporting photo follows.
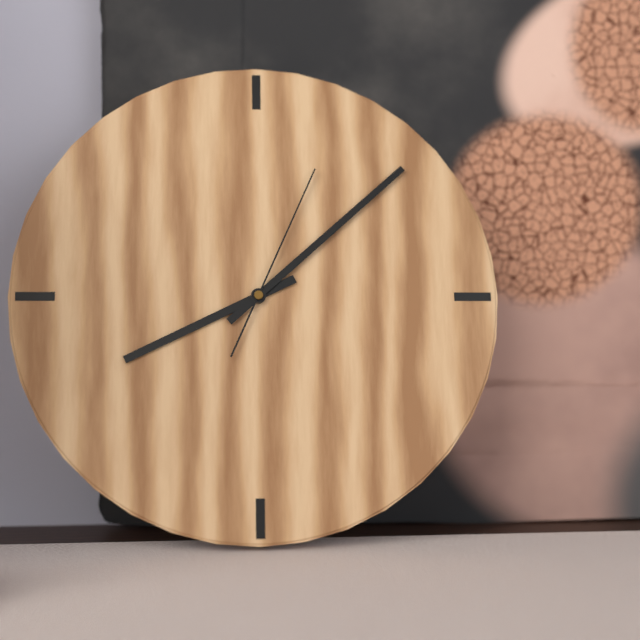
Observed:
8:08:04
